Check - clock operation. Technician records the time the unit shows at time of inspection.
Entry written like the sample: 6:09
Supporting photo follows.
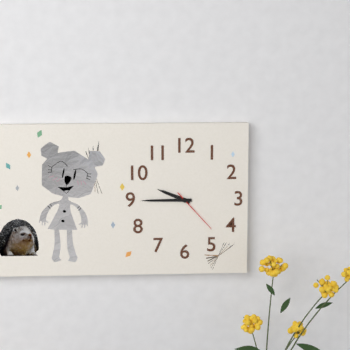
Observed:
9:45
